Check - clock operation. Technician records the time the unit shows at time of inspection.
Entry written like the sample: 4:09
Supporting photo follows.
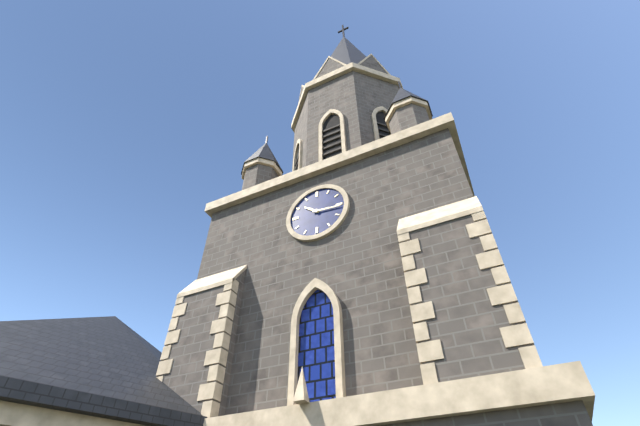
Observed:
10:16
